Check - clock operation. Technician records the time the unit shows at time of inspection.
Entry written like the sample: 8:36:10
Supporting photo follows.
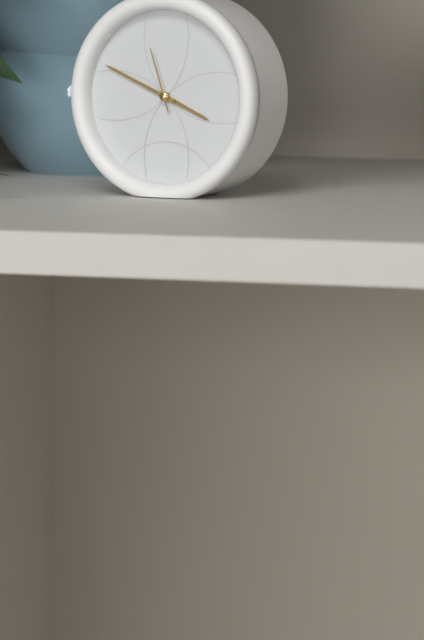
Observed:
3:49:57
